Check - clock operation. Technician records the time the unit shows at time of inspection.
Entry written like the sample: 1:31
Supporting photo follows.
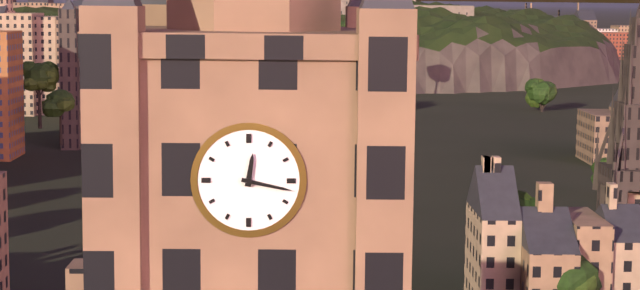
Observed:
12:17
